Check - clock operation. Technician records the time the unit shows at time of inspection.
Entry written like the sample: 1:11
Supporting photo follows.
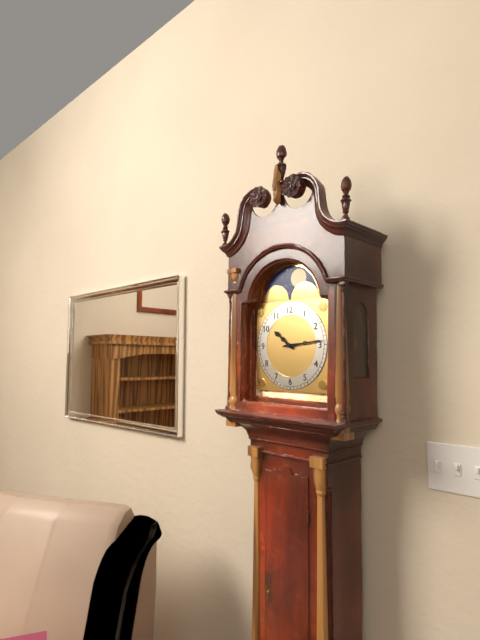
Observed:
10:14
